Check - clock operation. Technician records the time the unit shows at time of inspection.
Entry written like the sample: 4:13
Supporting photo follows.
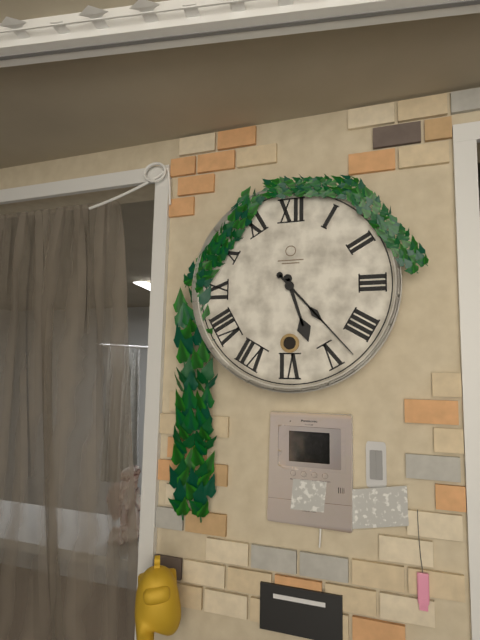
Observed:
5:23
